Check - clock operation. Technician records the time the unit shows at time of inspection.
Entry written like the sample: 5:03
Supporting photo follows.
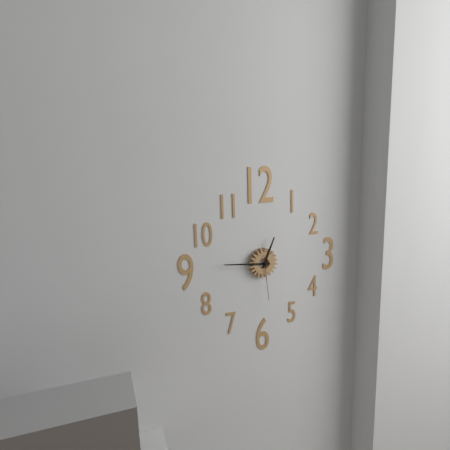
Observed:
12:46
